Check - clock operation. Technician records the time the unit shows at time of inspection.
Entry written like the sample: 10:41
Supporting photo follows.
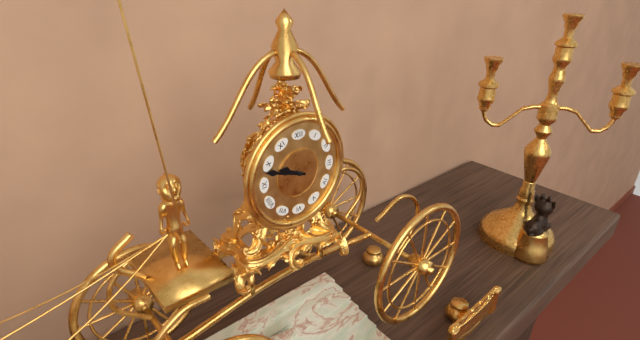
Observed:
9:48
